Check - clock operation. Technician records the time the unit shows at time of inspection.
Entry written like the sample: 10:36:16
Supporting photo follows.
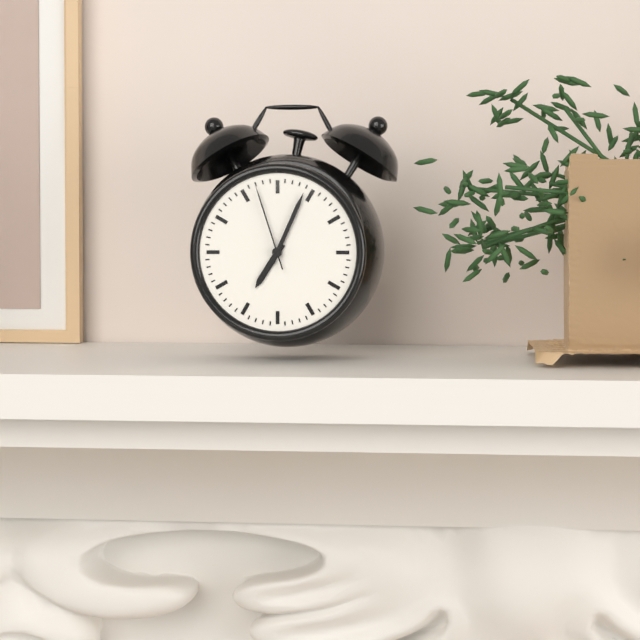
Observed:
7:04:57
